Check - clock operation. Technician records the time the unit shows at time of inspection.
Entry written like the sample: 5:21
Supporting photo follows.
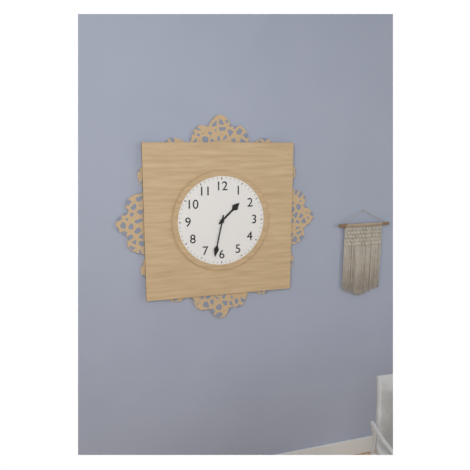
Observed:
1:32
